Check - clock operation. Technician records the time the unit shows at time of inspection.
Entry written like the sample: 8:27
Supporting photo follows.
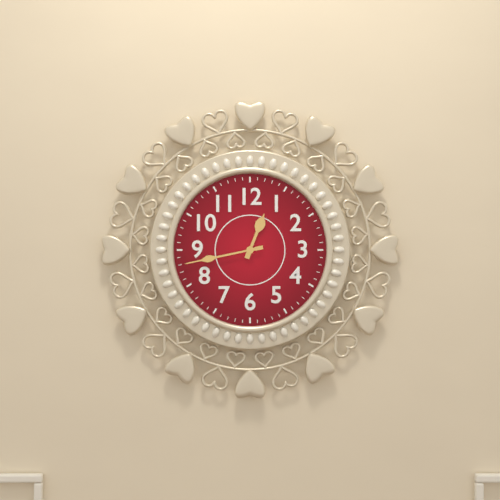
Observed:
12:43
